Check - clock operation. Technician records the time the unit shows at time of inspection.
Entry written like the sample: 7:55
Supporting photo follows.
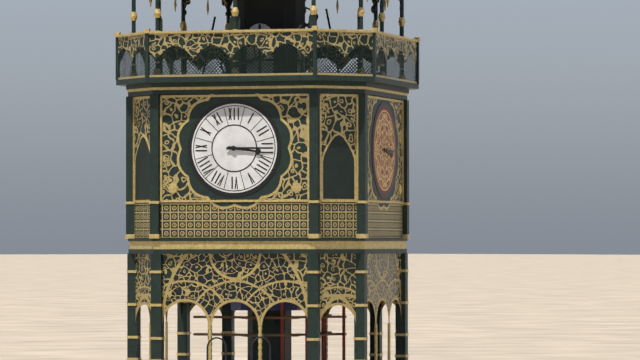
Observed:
3:15
